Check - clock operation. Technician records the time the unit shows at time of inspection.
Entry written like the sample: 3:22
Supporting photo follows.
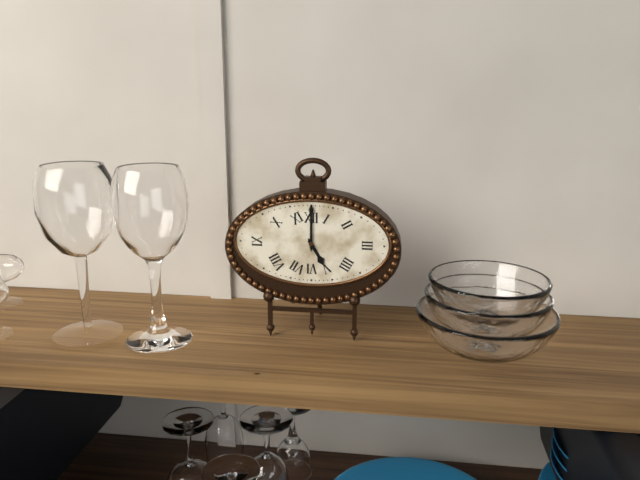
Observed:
5:00
